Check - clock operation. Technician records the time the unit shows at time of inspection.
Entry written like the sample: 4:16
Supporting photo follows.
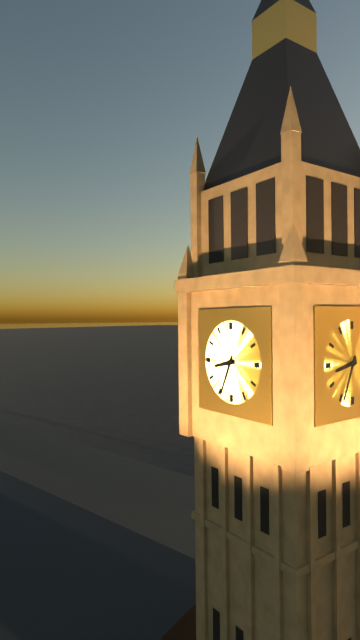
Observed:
8:34
